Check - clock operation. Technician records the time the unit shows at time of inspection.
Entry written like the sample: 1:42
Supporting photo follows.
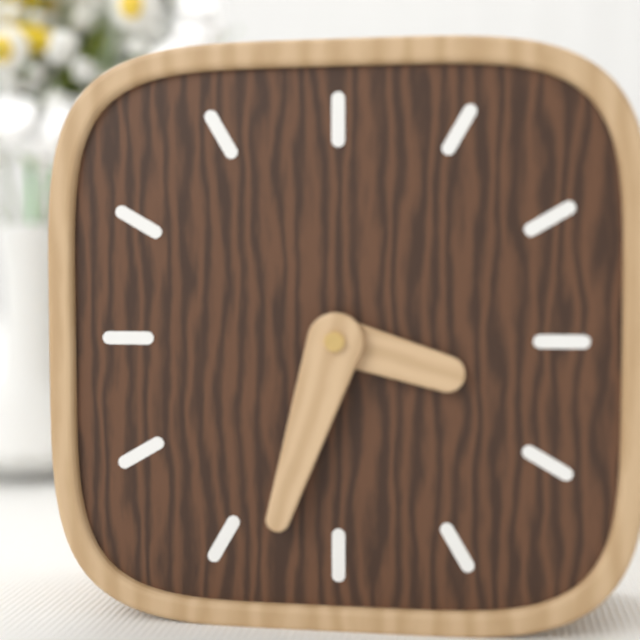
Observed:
3:33
